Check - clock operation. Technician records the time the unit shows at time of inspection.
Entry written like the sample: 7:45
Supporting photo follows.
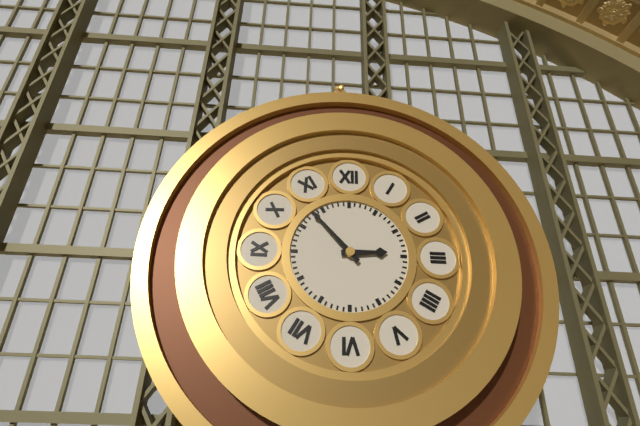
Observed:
2:53
